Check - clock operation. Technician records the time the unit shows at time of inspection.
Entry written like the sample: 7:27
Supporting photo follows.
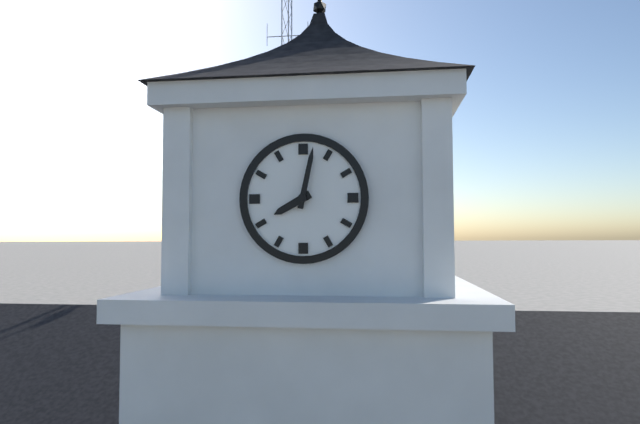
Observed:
8:02
